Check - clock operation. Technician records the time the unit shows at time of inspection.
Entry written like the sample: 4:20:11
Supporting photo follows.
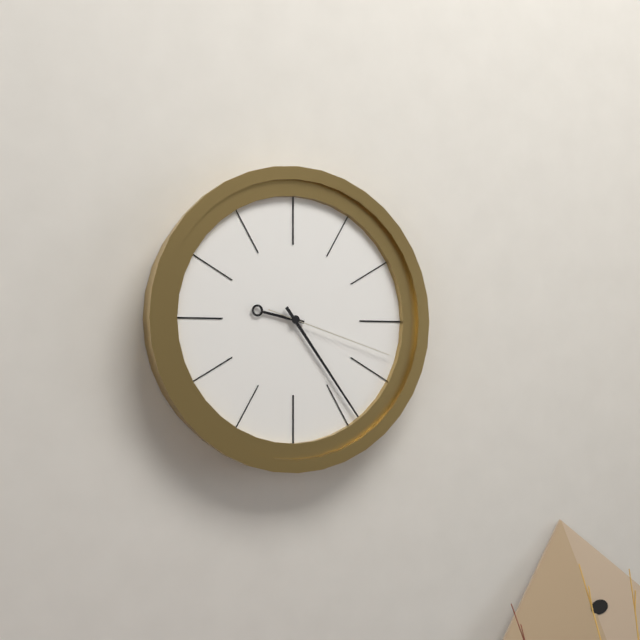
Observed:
9:24:18
